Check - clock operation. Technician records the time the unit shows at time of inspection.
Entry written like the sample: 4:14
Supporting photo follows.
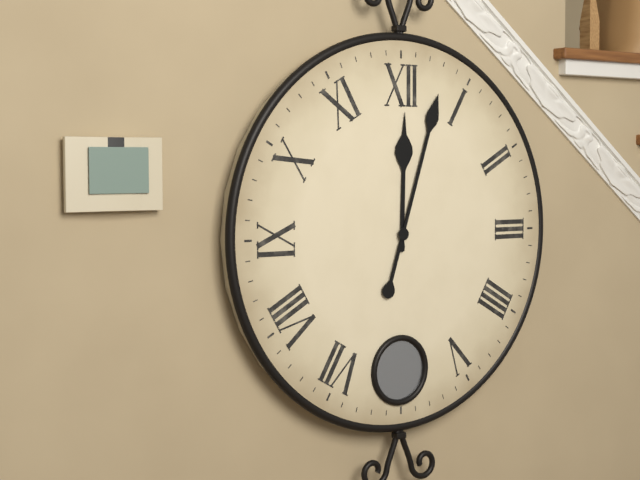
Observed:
12:03
